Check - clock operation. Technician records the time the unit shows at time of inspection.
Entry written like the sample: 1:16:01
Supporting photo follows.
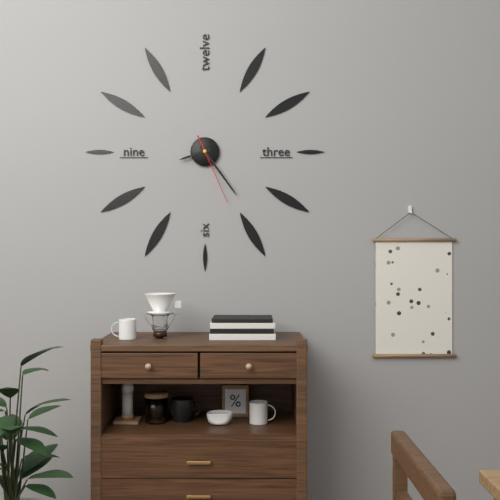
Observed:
8:24:26
